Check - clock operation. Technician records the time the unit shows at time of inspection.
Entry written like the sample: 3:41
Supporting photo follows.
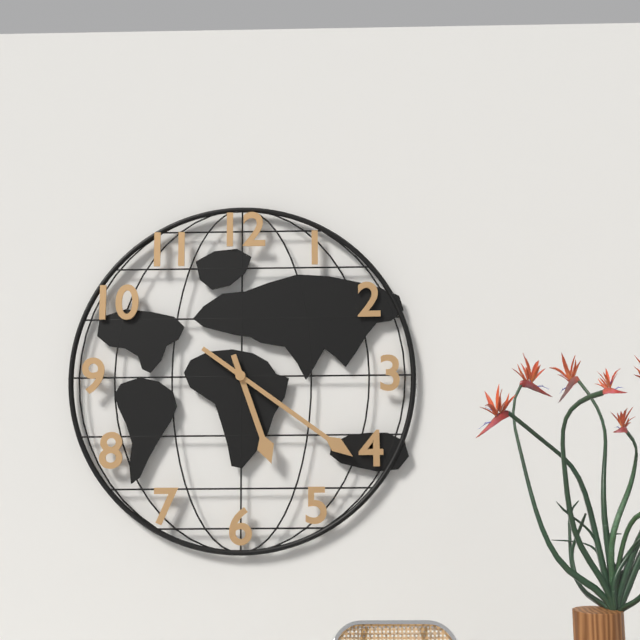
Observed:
5:21
